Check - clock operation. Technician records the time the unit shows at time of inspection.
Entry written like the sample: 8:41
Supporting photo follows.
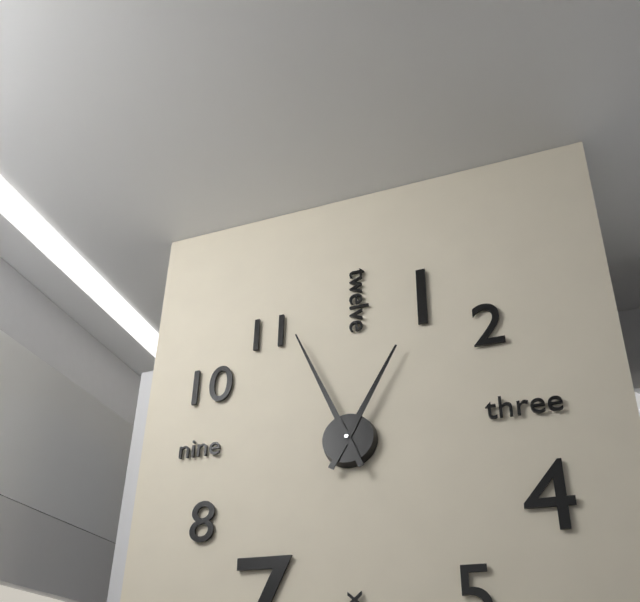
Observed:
12:56
